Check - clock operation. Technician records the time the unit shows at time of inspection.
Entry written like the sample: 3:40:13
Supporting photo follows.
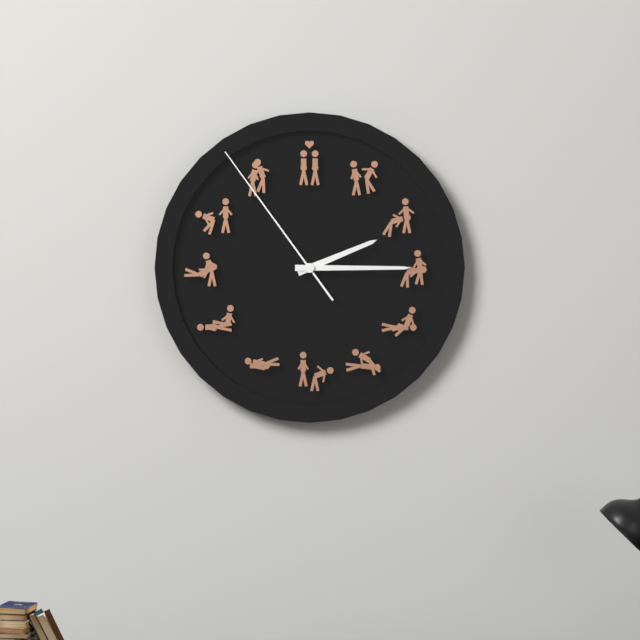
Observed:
2:15:54
